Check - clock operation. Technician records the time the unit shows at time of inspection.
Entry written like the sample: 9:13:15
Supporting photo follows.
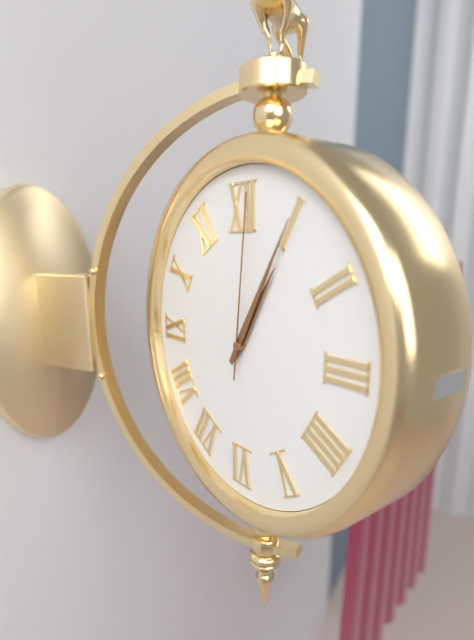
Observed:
1:05:01
